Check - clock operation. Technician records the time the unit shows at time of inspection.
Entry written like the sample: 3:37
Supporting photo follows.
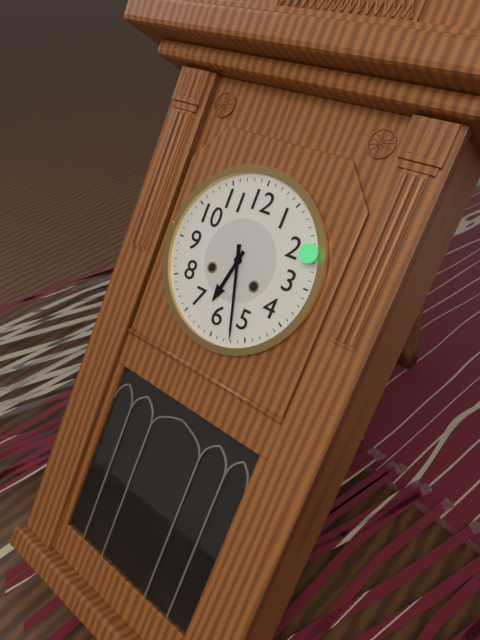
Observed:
6:27
